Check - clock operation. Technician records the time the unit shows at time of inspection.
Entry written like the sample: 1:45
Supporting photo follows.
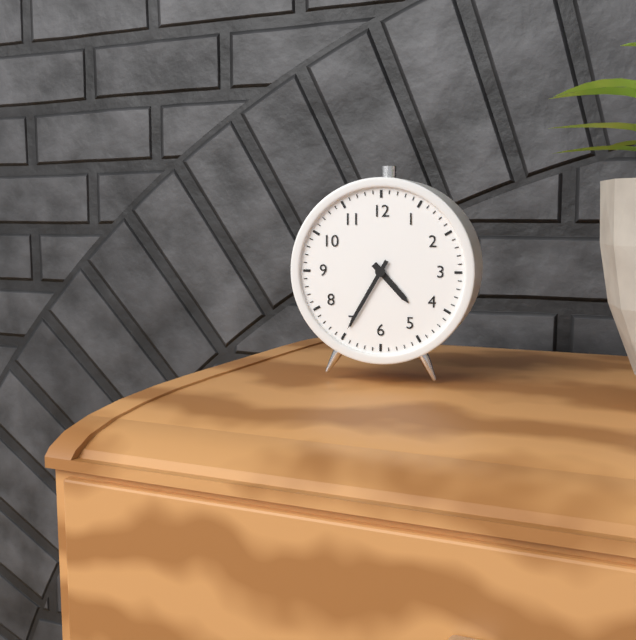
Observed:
4:35
